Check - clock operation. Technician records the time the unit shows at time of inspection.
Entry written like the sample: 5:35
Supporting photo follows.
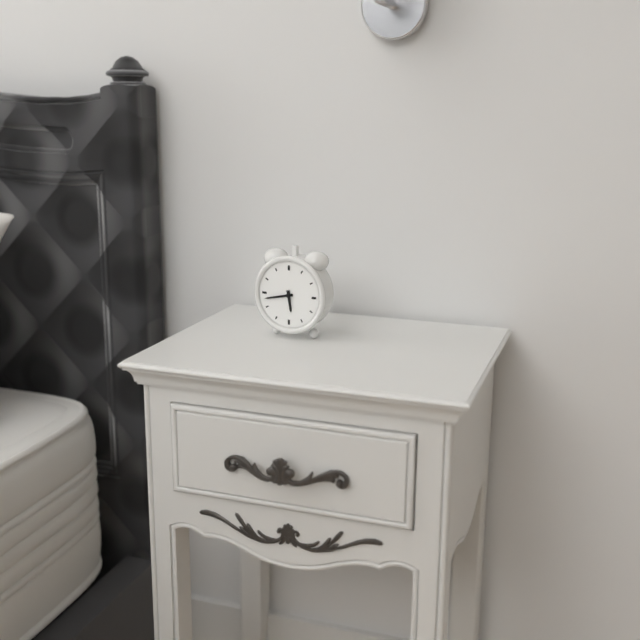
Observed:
5:43
